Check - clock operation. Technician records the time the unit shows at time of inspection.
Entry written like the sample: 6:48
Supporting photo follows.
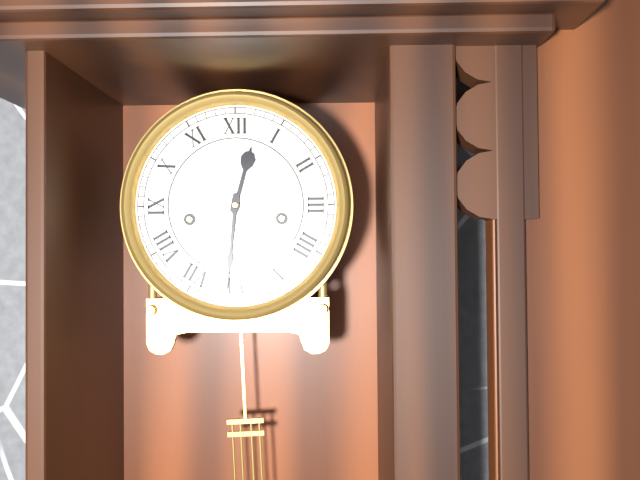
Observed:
12:31
